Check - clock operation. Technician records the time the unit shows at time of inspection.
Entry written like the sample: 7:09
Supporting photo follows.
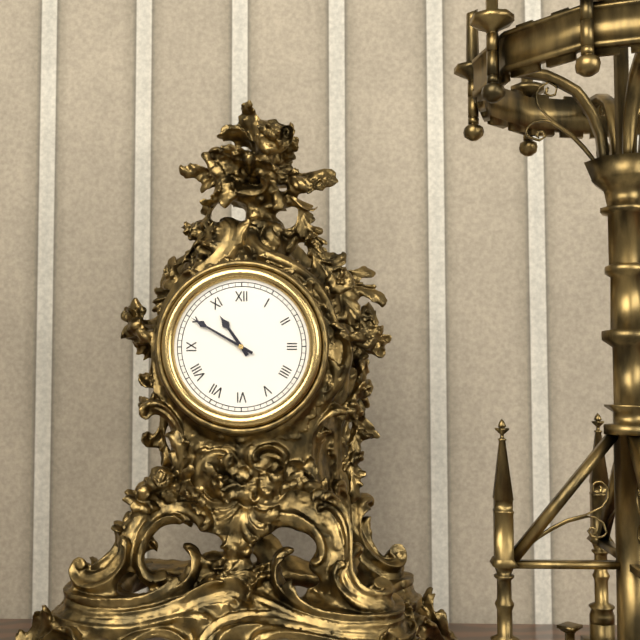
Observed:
10:50
